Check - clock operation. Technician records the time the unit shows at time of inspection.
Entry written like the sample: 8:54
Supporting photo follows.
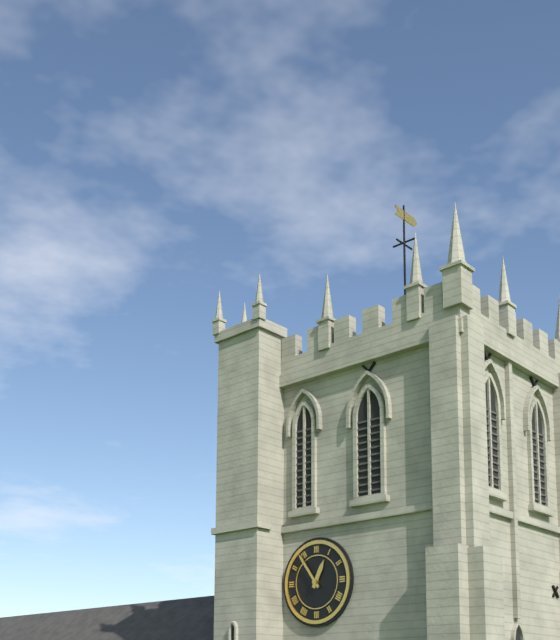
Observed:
12:54
